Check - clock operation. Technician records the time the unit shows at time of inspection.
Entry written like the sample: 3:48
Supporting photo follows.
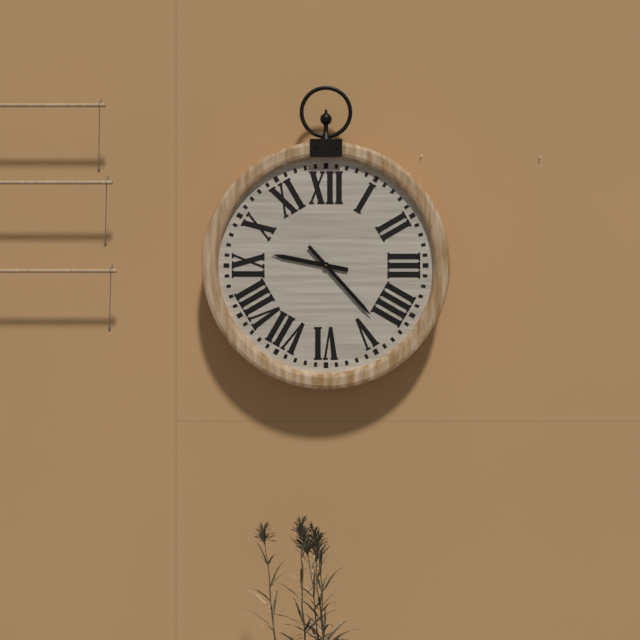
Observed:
9:23
